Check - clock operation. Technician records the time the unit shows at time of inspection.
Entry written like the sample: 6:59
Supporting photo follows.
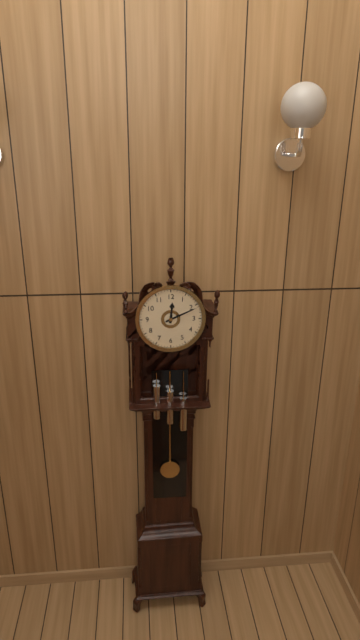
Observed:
12:11
